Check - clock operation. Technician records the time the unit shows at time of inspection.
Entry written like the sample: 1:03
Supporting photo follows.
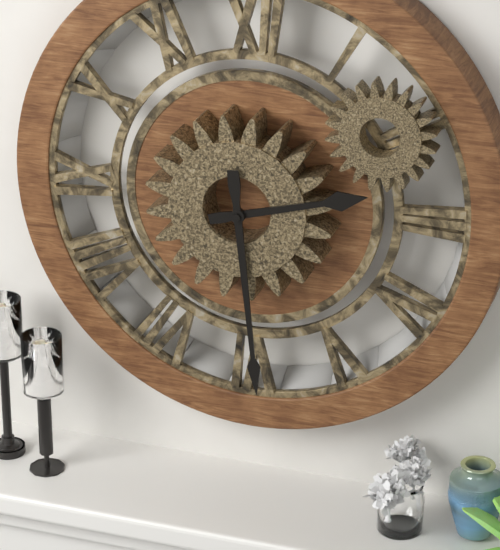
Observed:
2:29
